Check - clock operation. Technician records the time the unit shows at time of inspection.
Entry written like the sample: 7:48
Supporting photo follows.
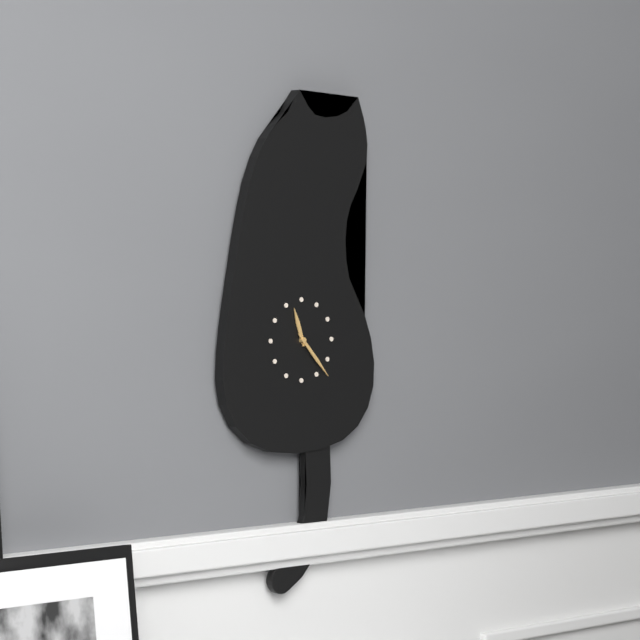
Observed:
11:23
